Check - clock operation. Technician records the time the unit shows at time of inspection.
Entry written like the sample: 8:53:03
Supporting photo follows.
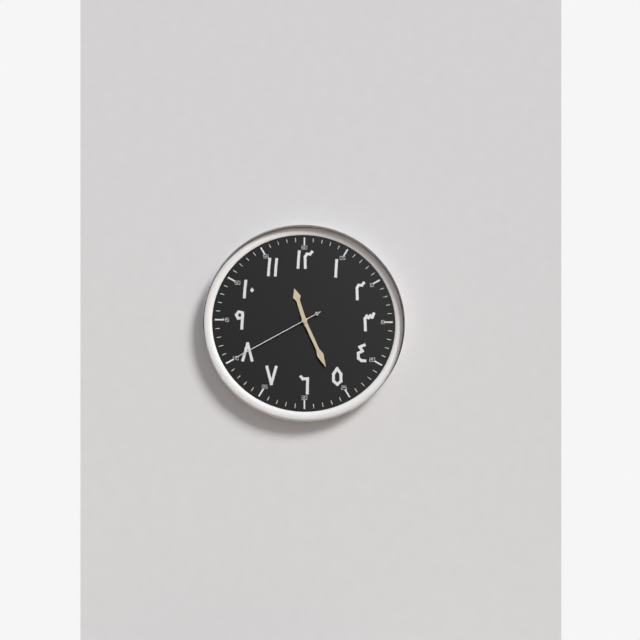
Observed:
11:26:40
